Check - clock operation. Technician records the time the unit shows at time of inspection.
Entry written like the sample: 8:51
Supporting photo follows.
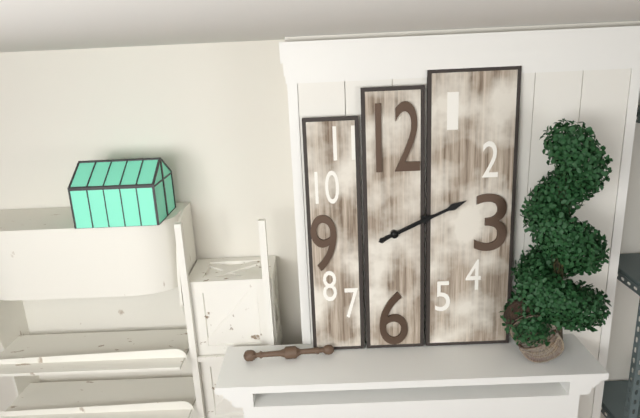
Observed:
2:11
